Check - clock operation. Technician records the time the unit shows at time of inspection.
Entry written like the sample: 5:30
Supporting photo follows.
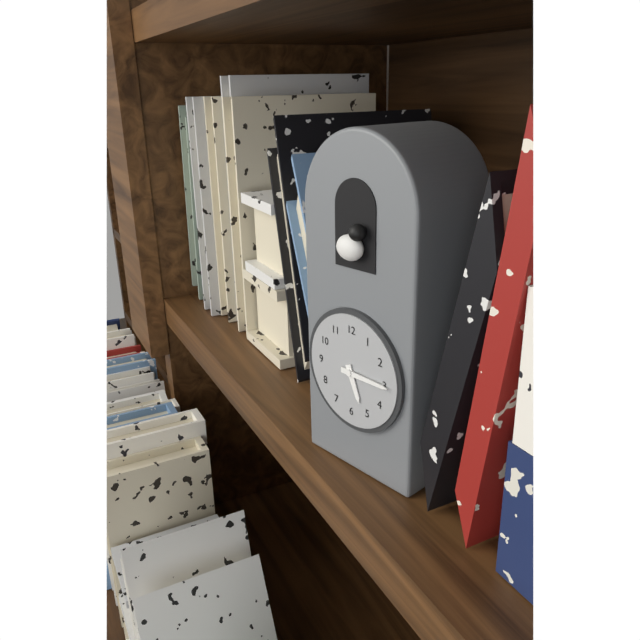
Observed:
5:15
